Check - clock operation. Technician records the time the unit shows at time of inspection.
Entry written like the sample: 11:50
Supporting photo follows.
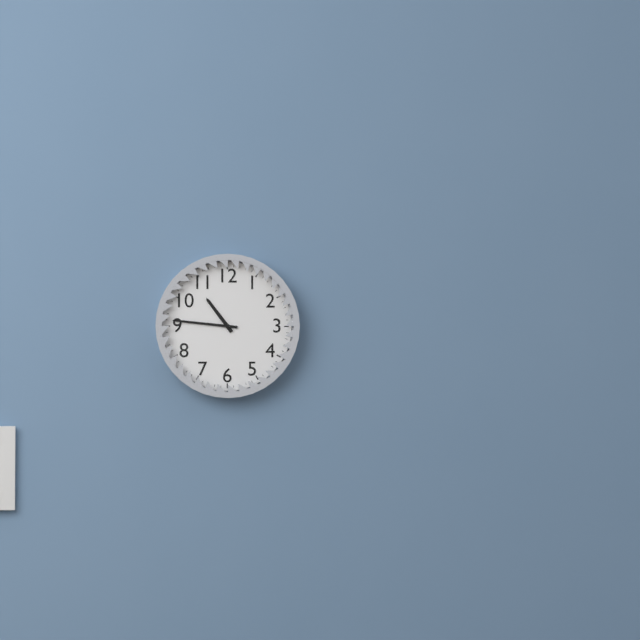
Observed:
10:46
